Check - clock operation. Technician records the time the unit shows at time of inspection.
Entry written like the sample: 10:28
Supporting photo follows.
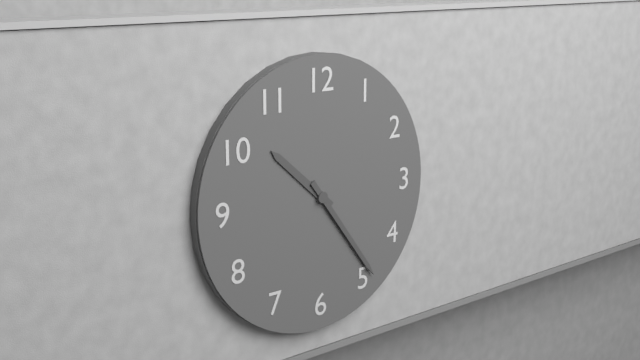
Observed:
10:24
